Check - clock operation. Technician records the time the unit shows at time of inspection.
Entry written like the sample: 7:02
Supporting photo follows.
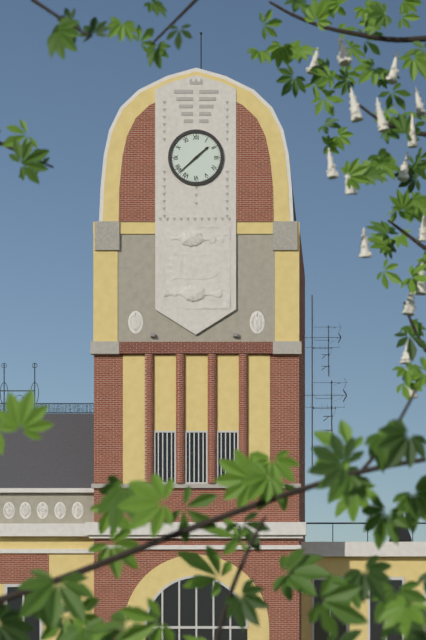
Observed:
1:38
